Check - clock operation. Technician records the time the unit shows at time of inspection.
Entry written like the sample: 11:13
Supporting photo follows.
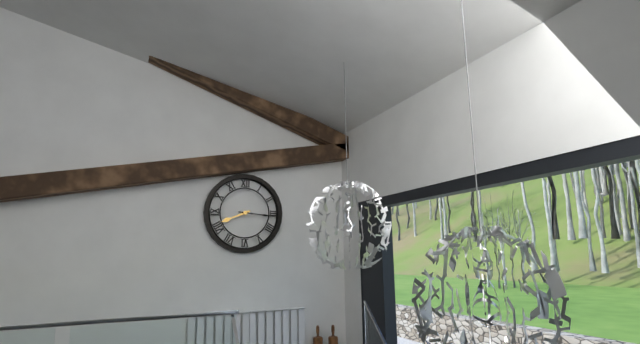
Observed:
8:16
